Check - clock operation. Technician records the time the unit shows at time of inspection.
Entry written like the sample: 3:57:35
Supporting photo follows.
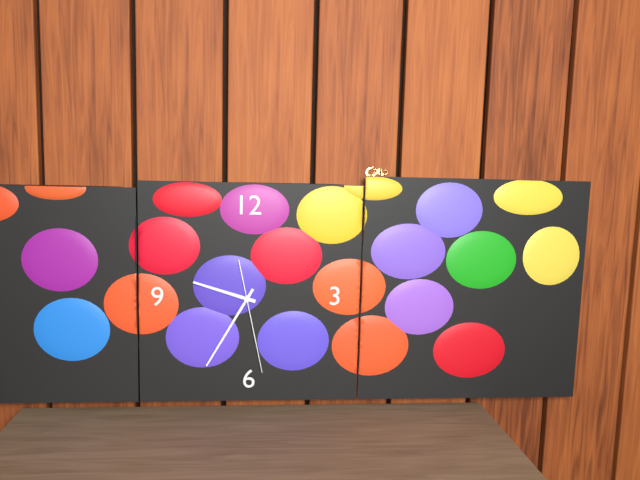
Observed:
9:35:28
